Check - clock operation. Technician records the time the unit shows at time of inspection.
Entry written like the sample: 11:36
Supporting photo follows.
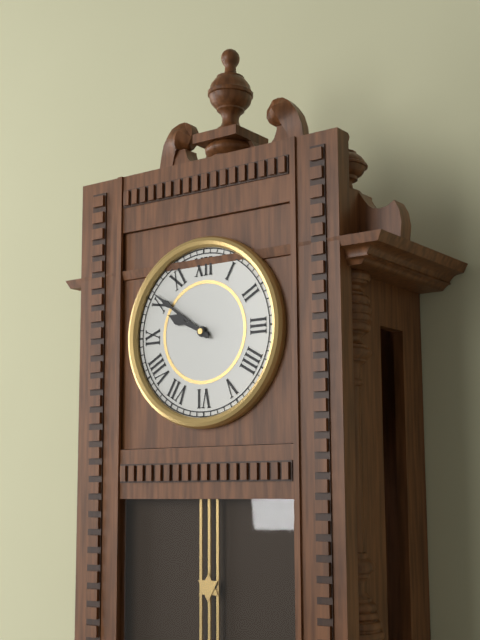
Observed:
9:51
